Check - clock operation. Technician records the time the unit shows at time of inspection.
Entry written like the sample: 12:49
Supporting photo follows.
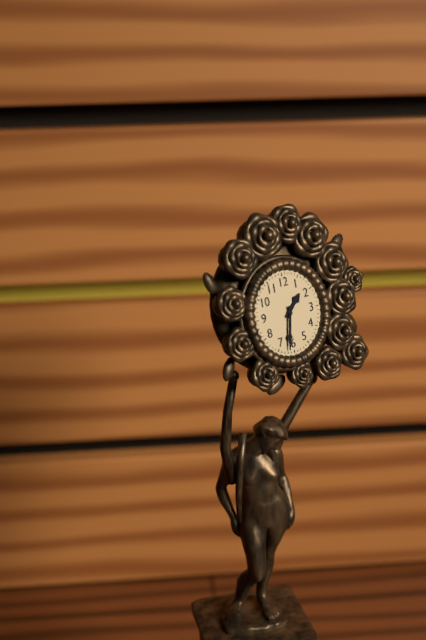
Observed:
1:32
